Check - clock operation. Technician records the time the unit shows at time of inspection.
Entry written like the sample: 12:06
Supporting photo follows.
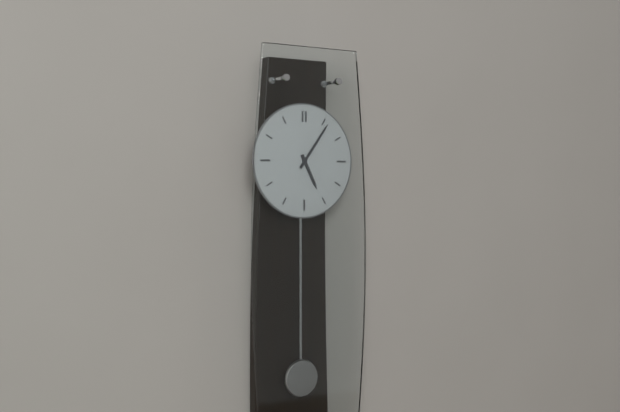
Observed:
5:06
